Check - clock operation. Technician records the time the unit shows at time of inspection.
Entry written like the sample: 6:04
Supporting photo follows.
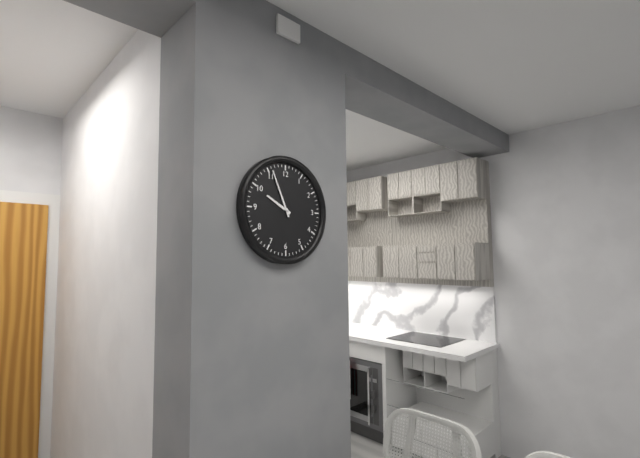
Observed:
9:56
